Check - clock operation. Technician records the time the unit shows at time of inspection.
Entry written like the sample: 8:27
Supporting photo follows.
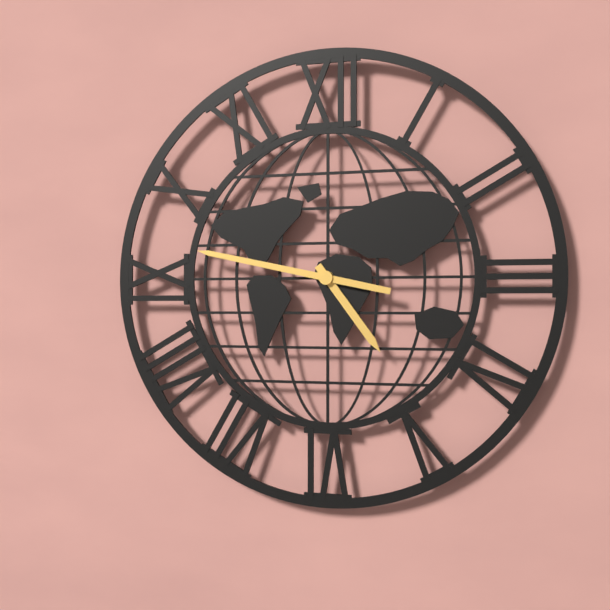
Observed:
4:47
